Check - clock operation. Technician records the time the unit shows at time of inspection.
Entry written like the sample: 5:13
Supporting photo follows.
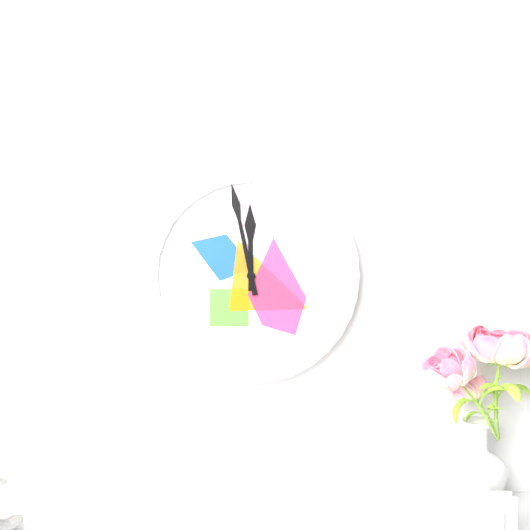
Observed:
11:58
